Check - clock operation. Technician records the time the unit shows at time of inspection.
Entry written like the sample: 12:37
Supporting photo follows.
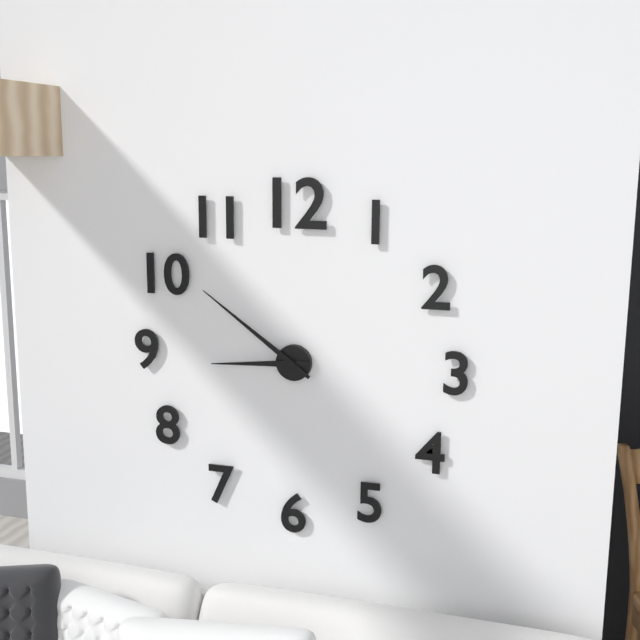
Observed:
8:51
